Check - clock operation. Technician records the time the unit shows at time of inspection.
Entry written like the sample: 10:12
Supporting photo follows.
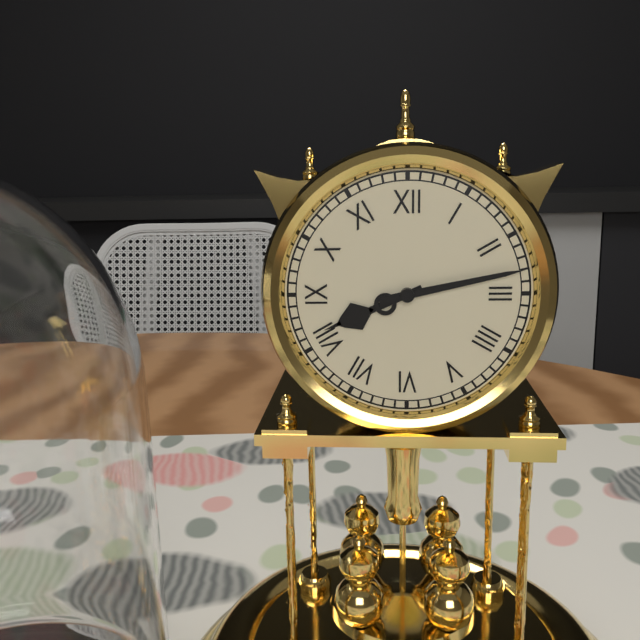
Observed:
8:13
